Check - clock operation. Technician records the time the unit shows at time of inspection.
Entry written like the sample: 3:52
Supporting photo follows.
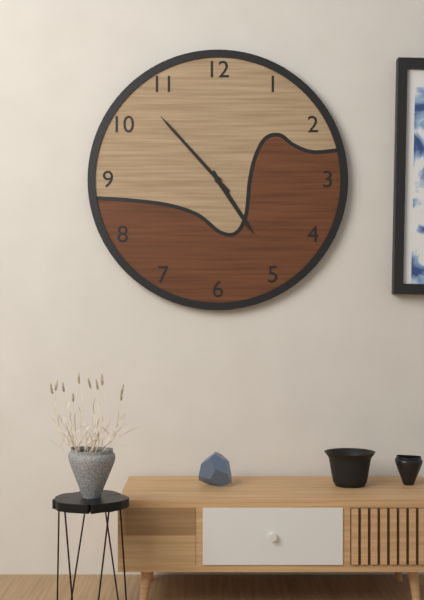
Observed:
4:53
